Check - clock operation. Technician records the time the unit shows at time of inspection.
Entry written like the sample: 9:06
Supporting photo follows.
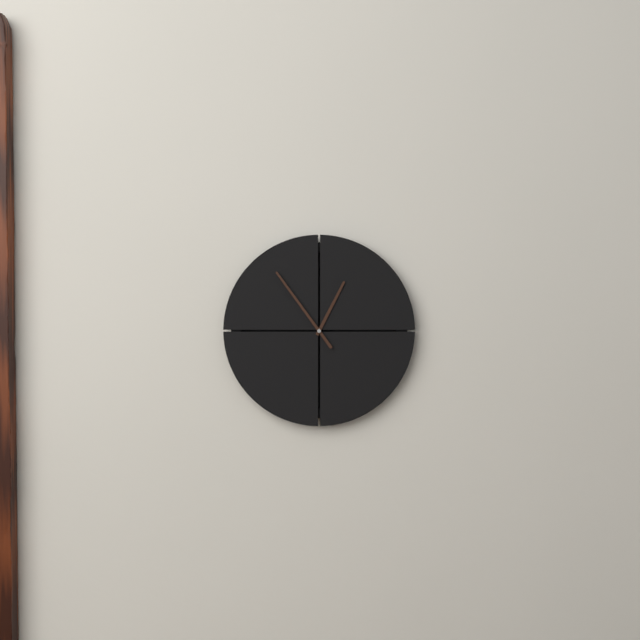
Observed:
12:54
